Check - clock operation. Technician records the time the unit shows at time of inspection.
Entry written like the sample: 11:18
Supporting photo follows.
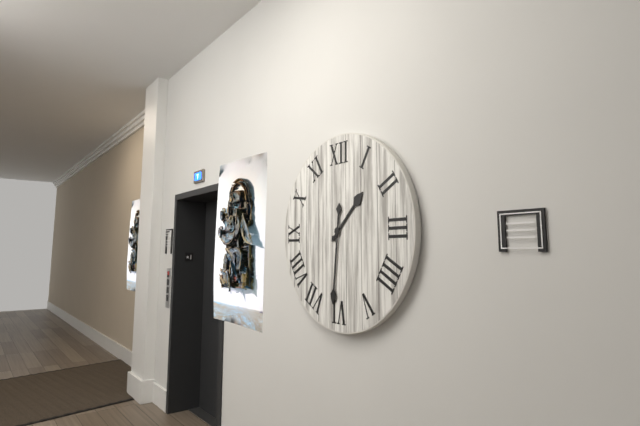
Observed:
1:31
